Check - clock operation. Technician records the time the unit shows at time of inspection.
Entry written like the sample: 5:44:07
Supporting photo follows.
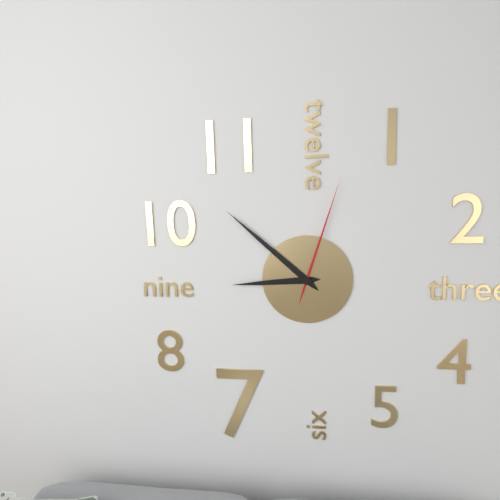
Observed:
8:52:03
